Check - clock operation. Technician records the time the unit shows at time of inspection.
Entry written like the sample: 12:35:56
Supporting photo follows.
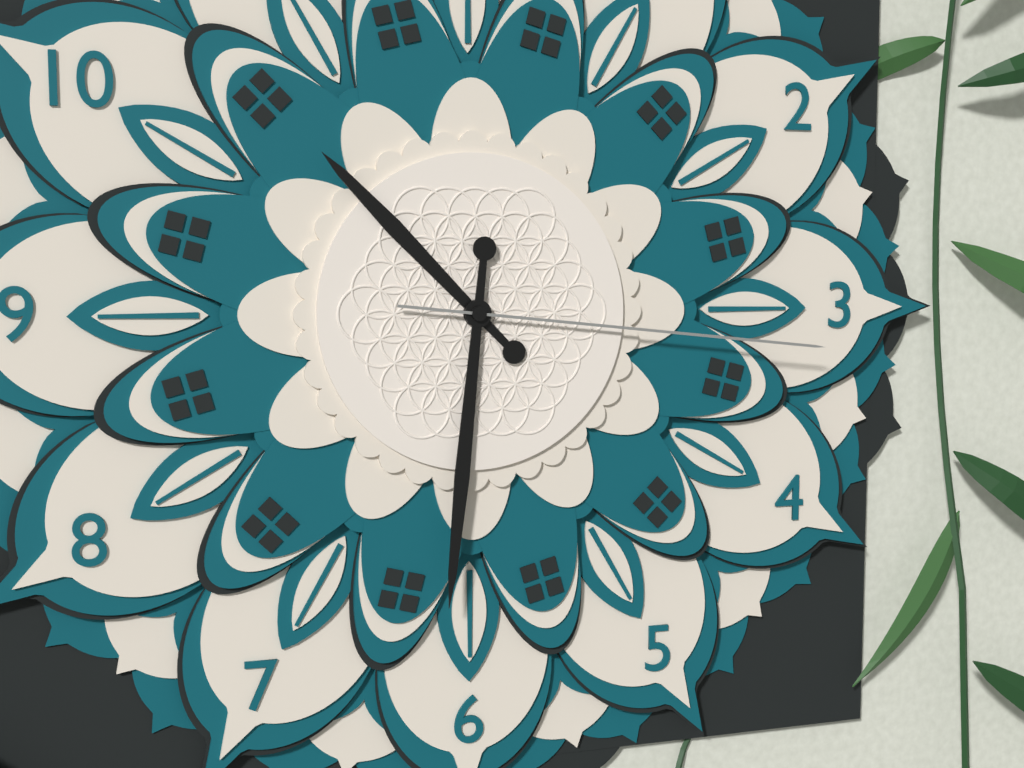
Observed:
10:31:16
